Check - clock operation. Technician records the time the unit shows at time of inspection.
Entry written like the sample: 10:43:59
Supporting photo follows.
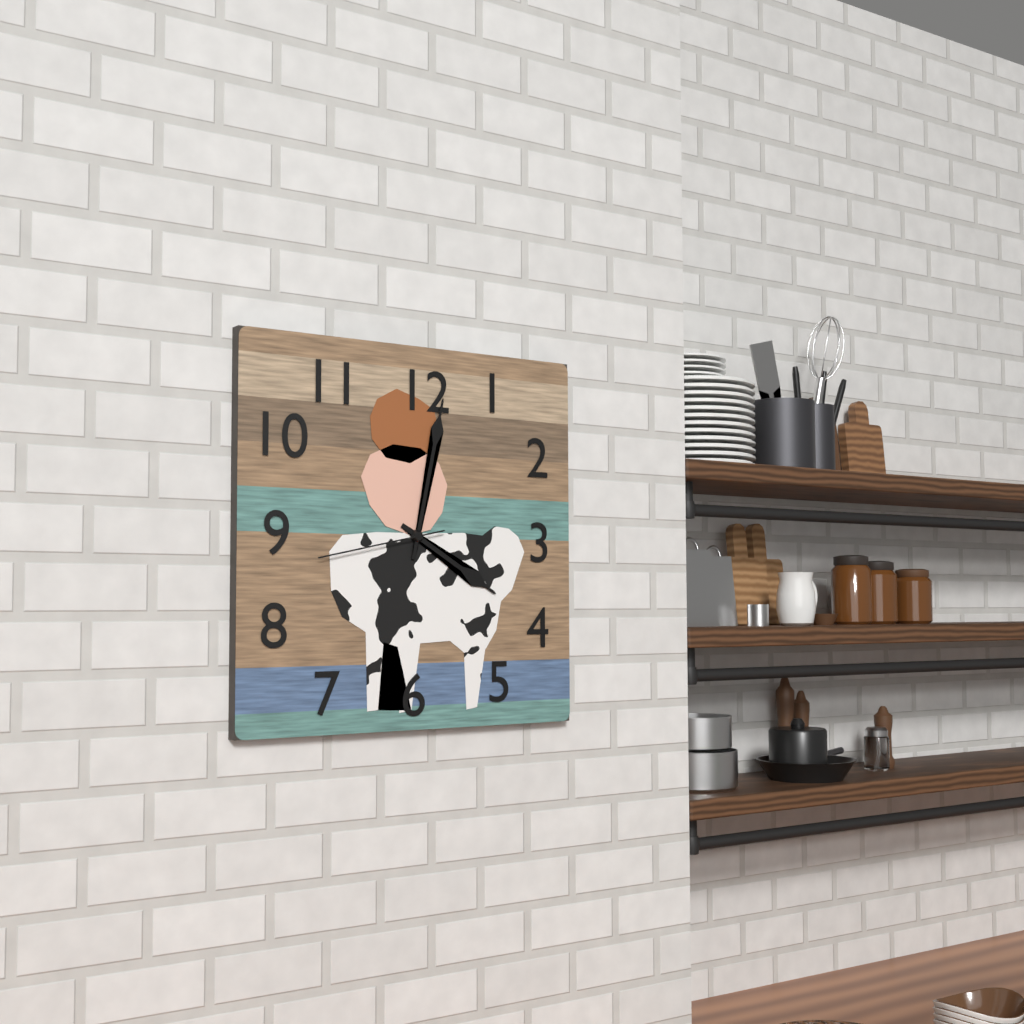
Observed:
4:02:43
